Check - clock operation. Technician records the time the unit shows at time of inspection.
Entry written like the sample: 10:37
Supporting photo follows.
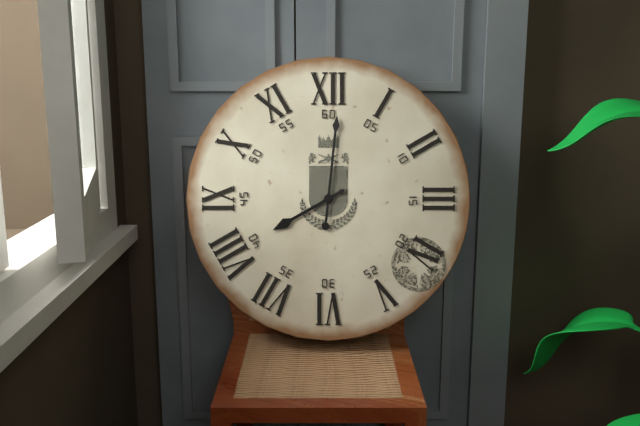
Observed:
8:01
